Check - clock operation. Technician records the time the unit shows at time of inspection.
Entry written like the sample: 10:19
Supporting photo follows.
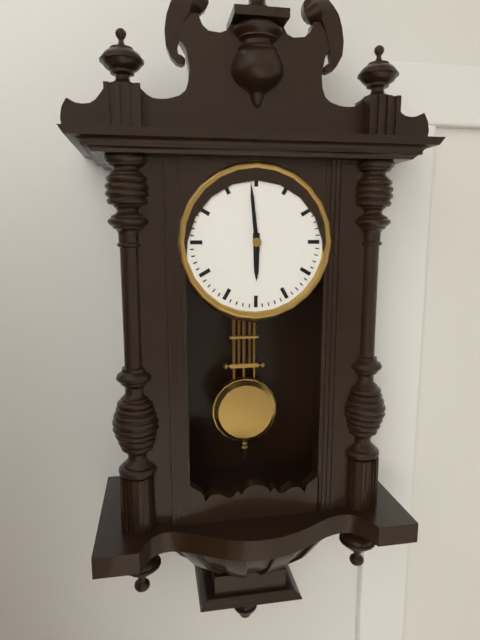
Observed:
5:59
